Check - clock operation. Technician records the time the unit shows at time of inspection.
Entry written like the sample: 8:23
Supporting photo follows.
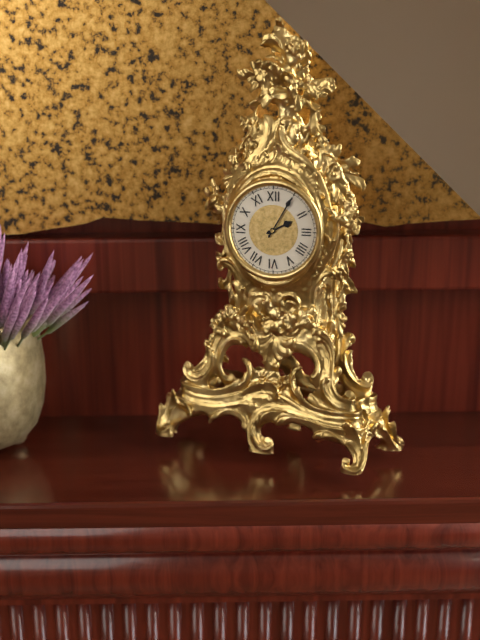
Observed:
2:05
